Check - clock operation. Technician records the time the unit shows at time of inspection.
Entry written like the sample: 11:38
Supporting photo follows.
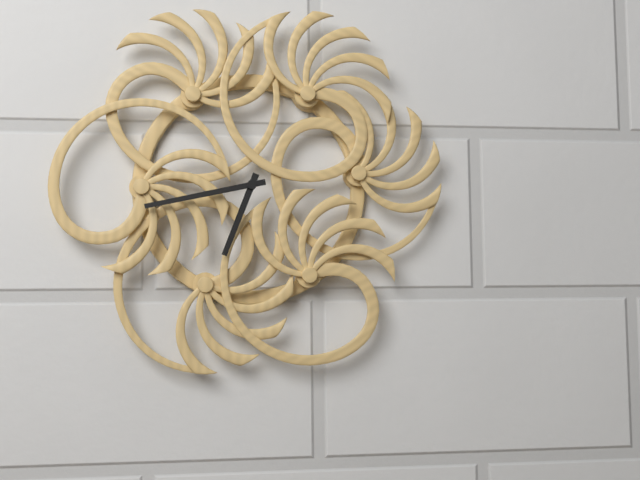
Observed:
6:43
